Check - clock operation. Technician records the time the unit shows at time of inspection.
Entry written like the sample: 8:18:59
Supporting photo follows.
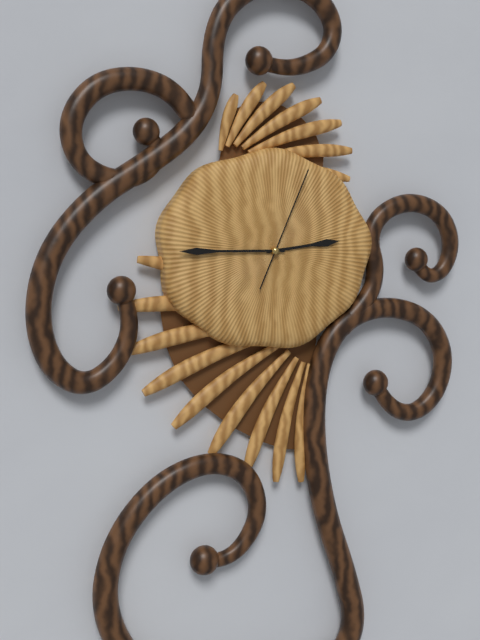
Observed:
2:45:04
